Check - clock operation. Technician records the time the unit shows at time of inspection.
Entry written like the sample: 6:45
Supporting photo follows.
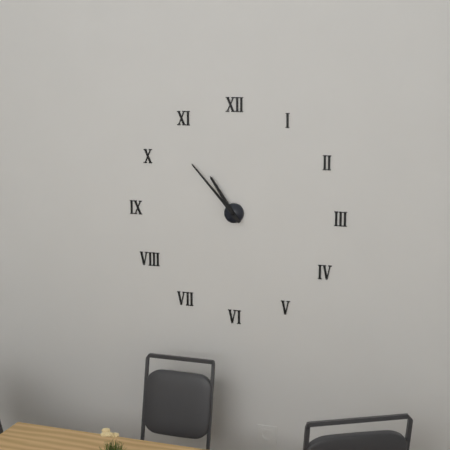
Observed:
10:53
